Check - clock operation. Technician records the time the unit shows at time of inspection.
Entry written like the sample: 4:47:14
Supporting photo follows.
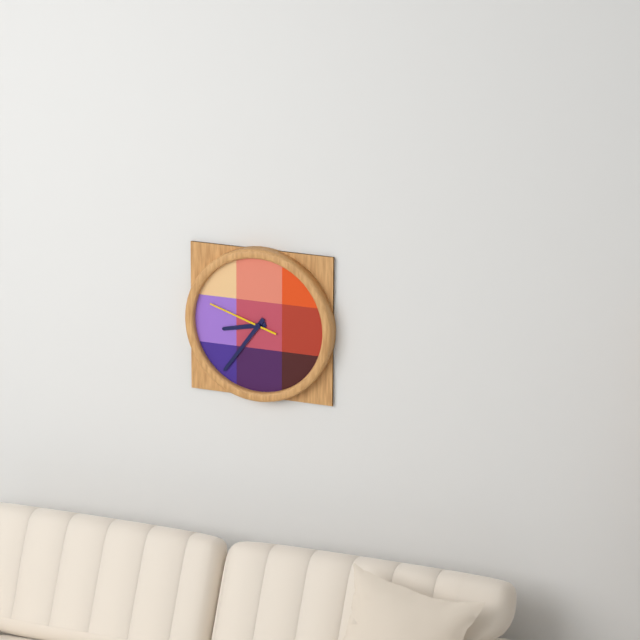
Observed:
8:36:48
